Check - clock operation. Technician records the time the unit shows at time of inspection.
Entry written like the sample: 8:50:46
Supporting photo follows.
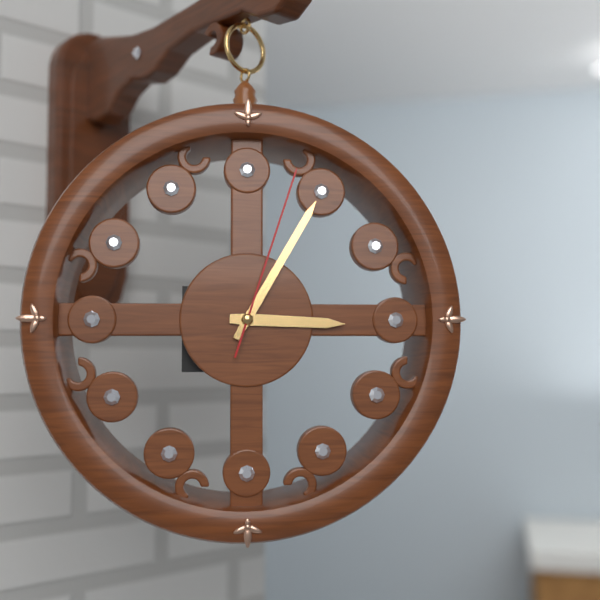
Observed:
3:05:03
